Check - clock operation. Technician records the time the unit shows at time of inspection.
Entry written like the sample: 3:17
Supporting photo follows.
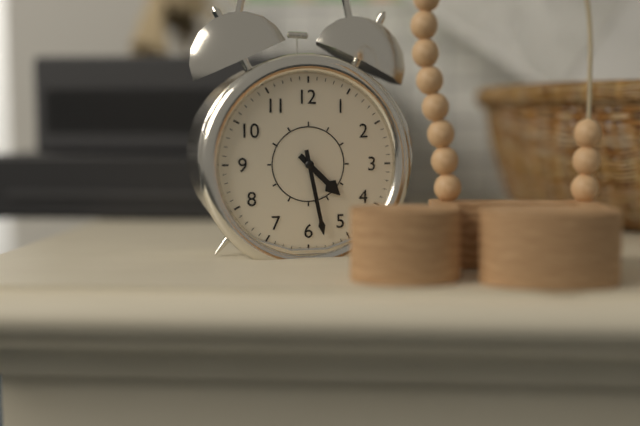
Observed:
4:28
